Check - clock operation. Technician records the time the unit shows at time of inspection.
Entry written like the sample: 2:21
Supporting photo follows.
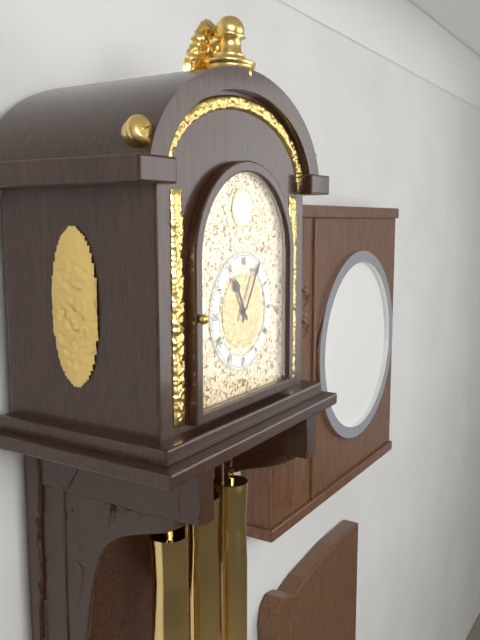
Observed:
11:05
